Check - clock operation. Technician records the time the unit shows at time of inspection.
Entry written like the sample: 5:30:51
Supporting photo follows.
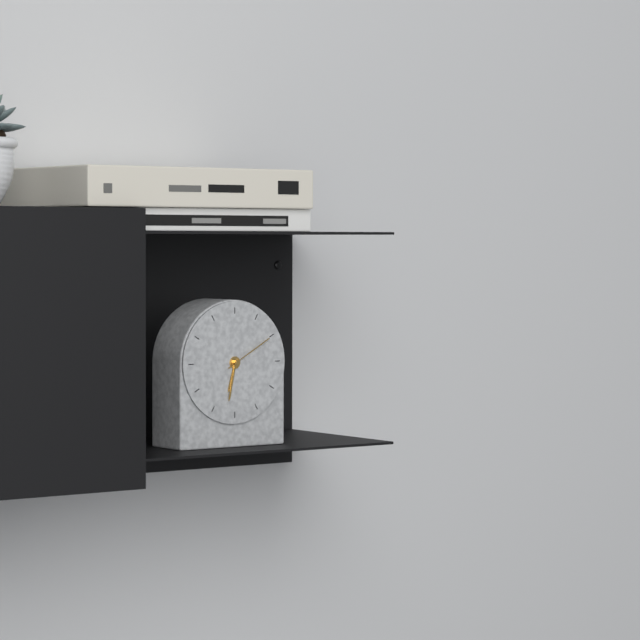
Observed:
6:32:10
